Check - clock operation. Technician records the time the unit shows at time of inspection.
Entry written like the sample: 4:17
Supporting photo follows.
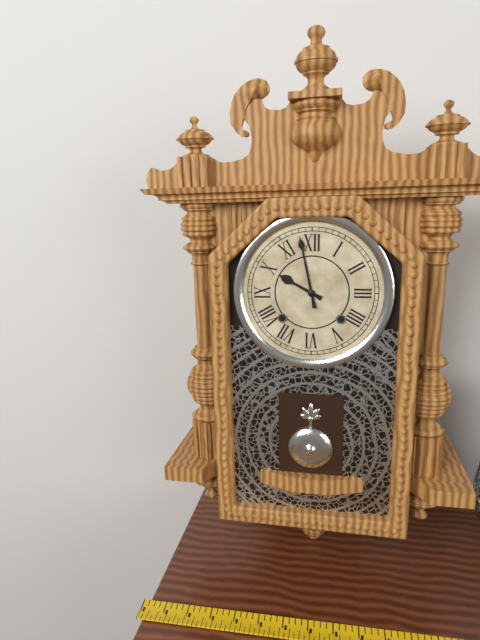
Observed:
9:58
